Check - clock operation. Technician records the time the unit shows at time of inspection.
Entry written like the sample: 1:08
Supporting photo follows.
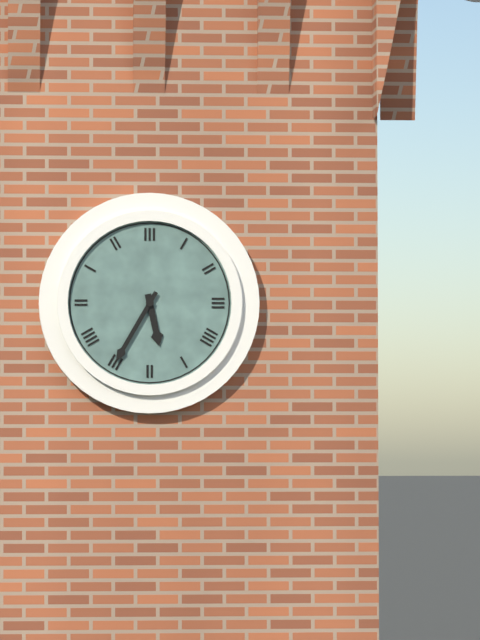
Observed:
5:35
